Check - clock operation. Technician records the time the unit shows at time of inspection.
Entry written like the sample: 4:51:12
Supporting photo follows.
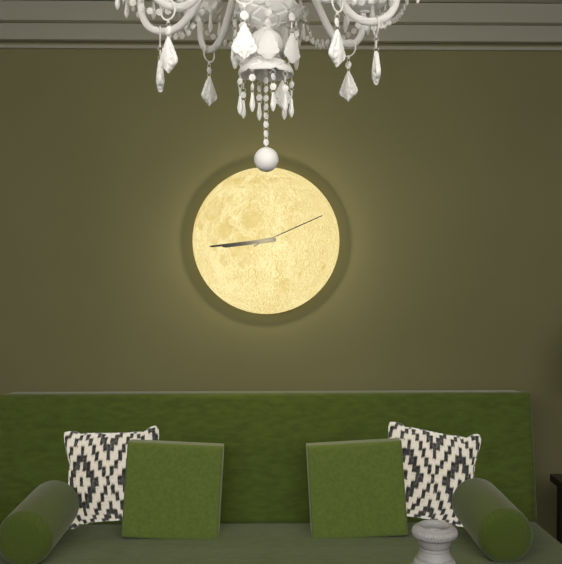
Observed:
8:44:11
